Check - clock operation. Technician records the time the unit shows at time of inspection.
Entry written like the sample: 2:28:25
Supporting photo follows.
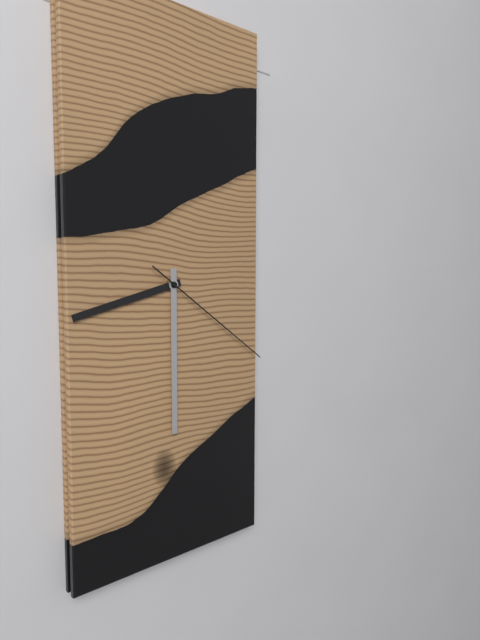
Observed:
8:30:21
